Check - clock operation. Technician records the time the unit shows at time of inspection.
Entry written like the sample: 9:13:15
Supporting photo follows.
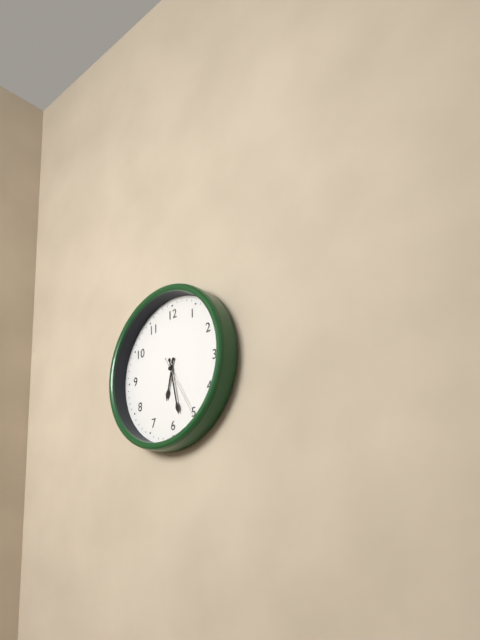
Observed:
6:28:25
